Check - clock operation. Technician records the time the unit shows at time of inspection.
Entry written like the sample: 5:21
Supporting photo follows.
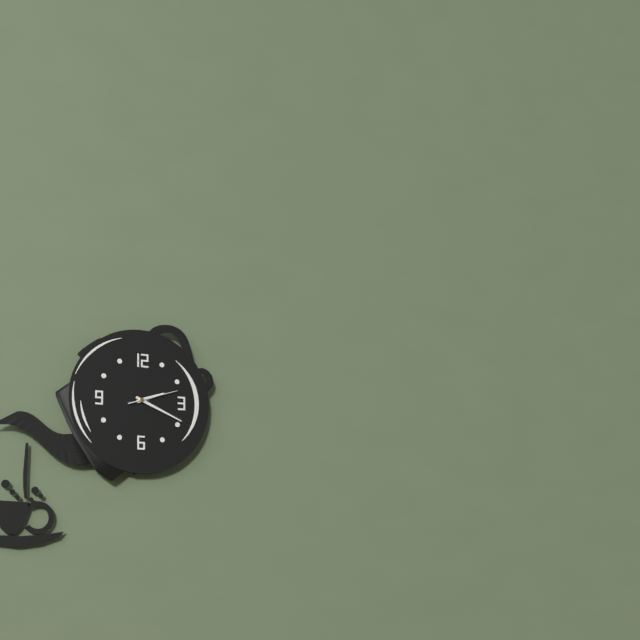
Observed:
2:19
